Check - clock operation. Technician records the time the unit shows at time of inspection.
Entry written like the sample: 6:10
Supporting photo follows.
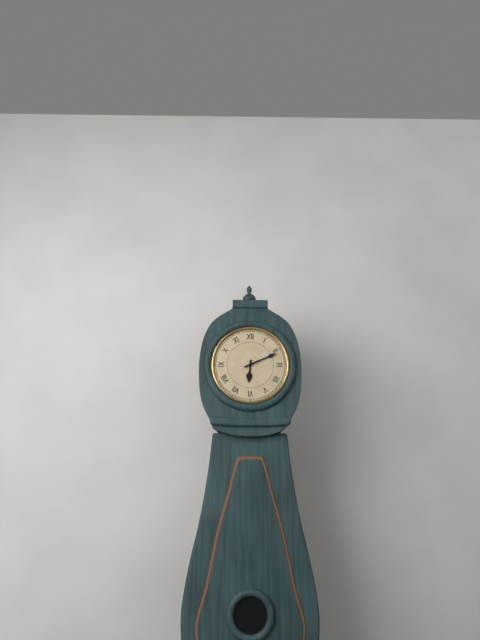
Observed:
6:11
